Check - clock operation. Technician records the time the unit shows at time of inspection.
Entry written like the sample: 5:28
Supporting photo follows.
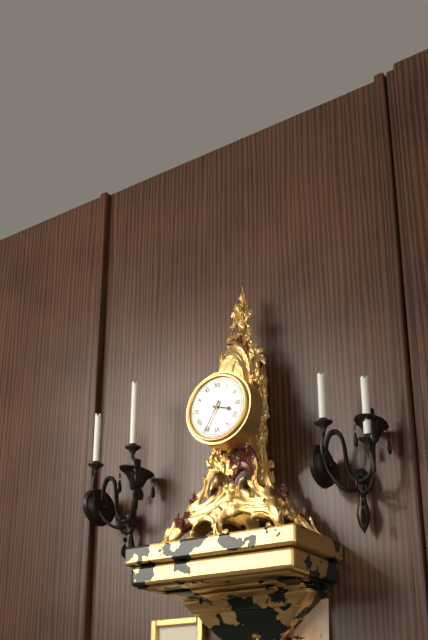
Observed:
3:35
